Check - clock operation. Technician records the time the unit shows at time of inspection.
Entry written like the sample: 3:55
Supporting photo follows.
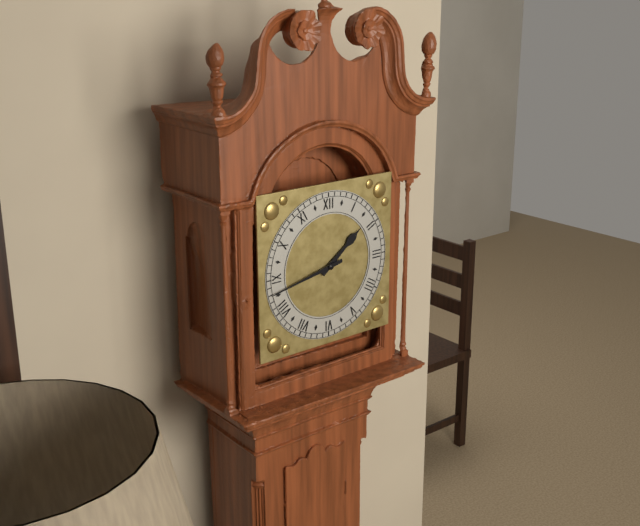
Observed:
1:43
